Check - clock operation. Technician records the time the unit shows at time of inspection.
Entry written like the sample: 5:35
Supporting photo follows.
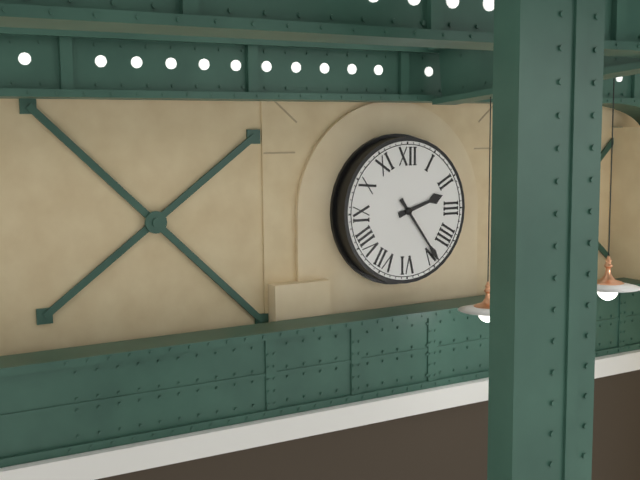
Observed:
2:24
